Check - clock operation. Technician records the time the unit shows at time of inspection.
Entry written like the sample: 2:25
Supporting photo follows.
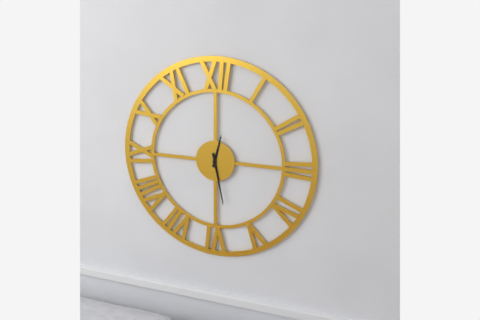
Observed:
12:28
